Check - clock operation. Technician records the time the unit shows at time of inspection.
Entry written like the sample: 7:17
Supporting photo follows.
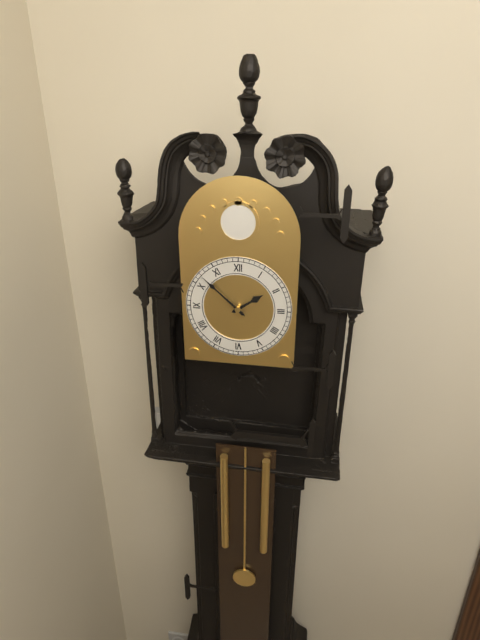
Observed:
1:52
